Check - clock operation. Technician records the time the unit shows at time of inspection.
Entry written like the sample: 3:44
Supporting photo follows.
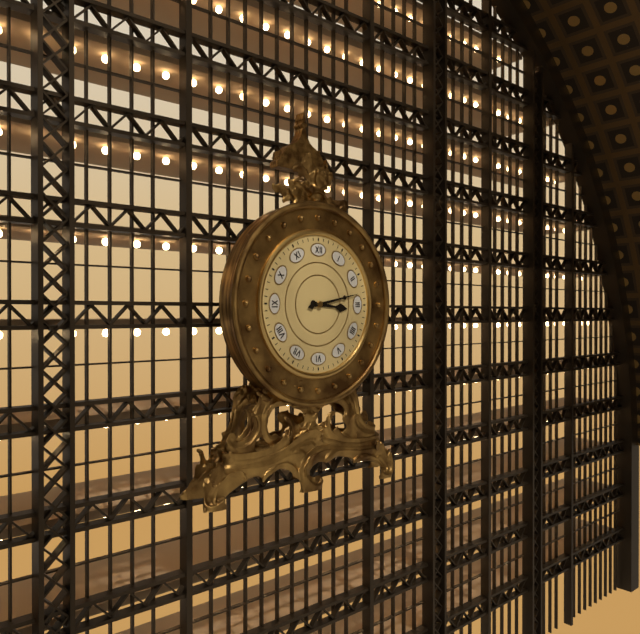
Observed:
3:13
